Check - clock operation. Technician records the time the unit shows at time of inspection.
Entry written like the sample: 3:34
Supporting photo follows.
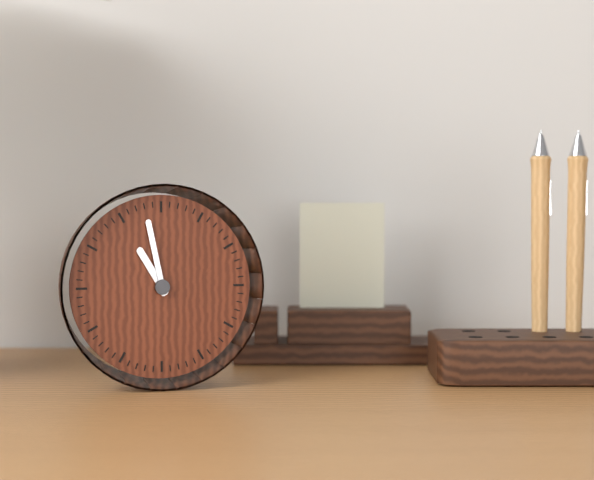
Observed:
10:58
